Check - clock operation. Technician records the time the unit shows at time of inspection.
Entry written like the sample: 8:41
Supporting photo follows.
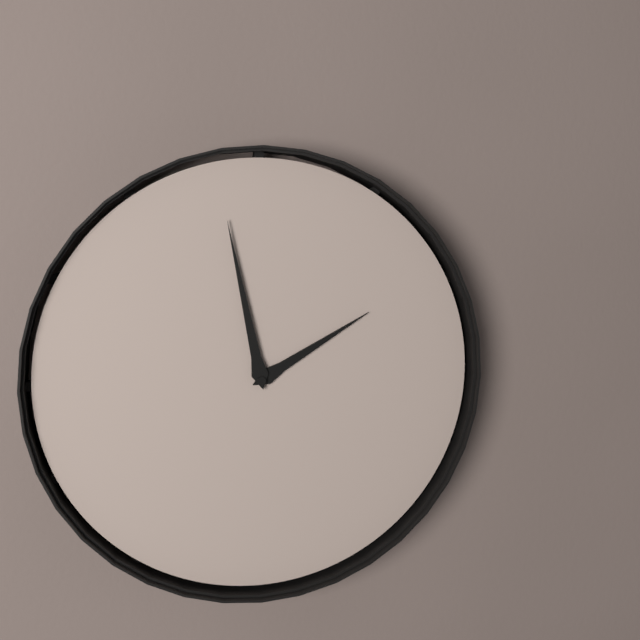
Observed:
1:58
